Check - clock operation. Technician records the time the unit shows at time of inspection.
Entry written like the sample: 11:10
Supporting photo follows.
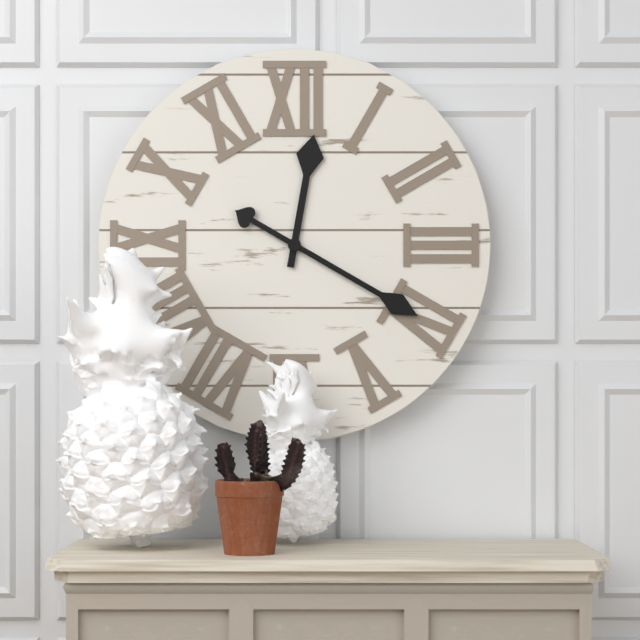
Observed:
12:20
